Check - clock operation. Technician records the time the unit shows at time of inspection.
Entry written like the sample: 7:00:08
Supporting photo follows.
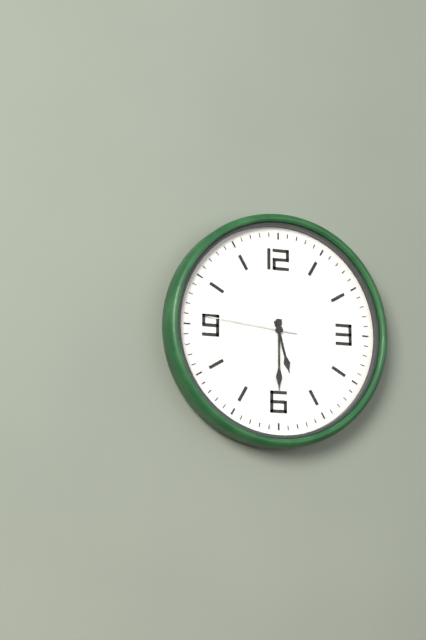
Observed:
5:30:46
